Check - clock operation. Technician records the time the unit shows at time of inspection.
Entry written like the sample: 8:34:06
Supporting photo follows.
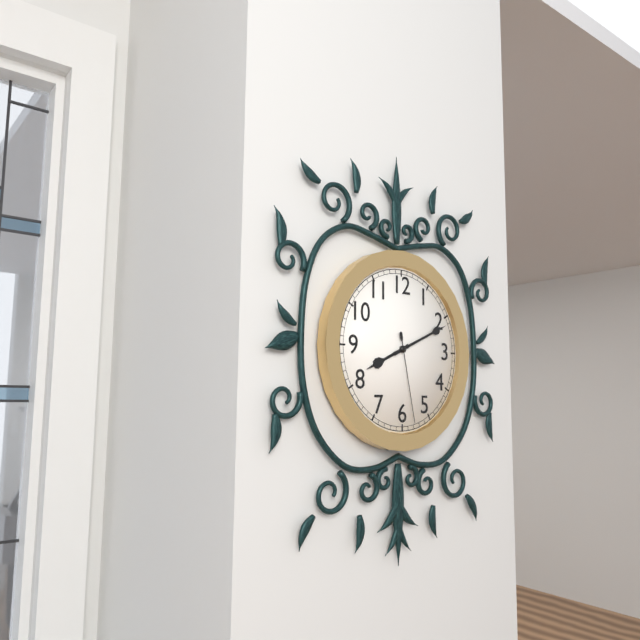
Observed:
8:11:28
